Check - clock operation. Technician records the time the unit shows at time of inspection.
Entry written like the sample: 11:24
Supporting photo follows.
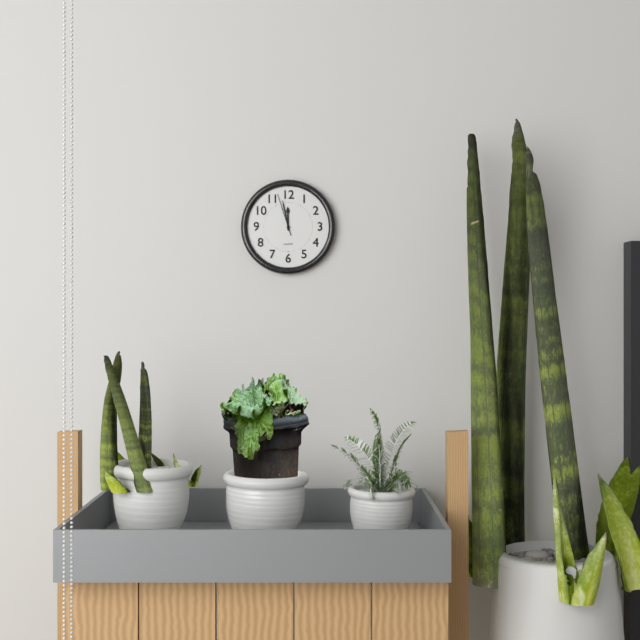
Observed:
11:58
